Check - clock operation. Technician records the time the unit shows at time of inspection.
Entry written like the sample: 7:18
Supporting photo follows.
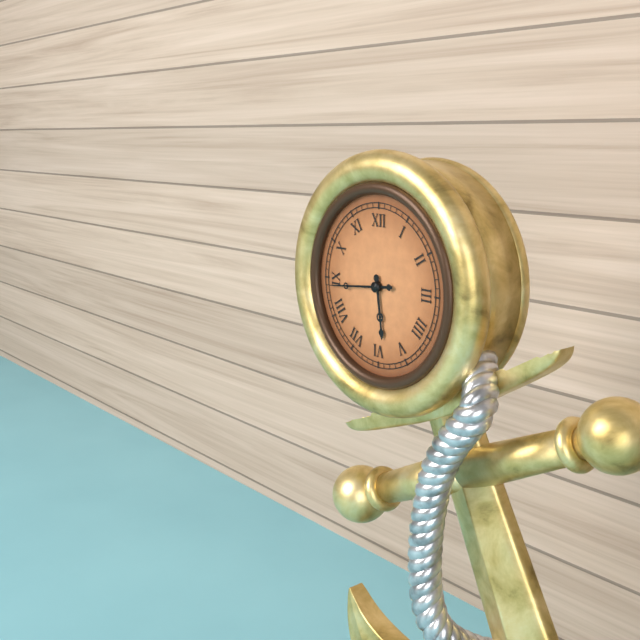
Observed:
5:44
